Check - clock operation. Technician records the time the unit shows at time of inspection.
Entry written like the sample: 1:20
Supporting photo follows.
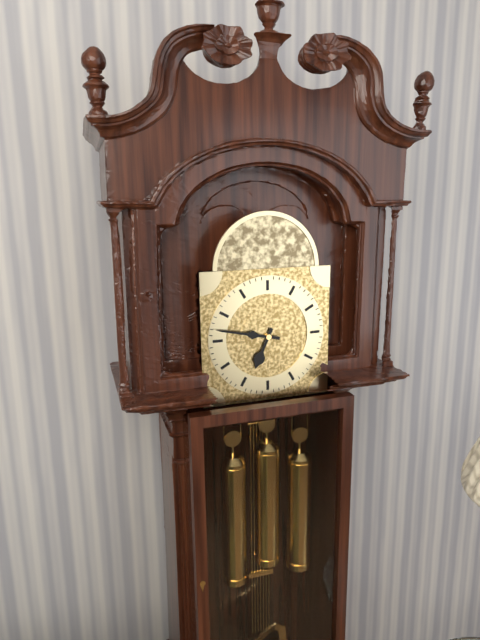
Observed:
6:47
